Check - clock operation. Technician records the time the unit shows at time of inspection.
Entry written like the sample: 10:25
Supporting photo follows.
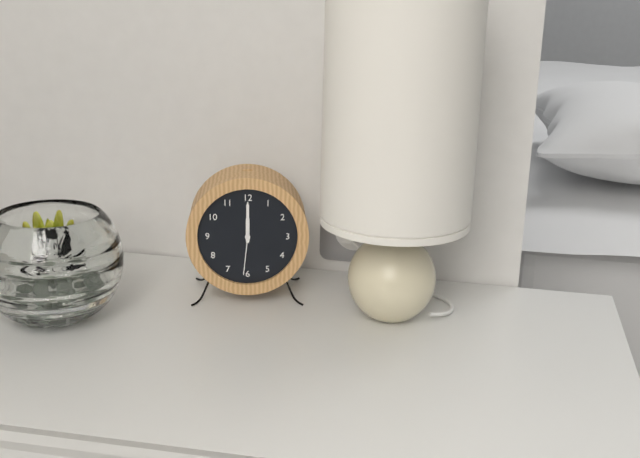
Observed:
12:00
